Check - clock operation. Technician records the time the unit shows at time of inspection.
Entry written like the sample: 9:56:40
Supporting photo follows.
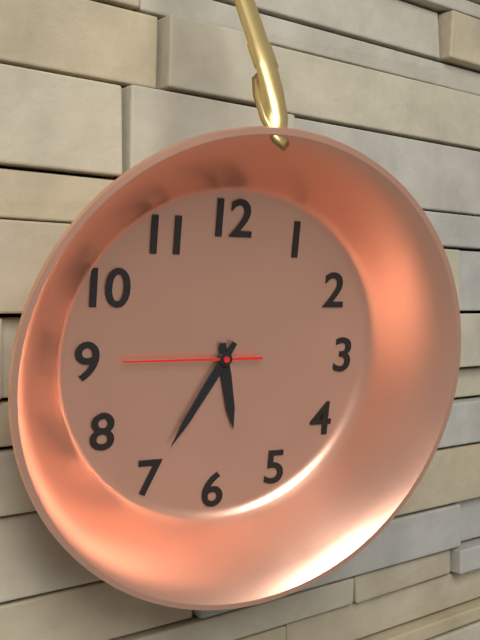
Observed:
5:35:45
